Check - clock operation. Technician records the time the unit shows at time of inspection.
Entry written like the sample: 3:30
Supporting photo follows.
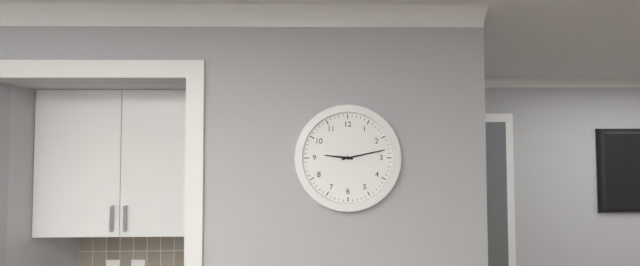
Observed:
9:13
